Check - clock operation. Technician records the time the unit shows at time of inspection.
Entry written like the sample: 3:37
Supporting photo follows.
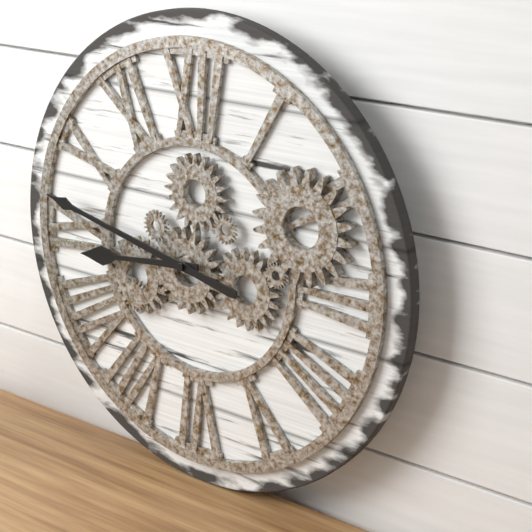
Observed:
8:47
